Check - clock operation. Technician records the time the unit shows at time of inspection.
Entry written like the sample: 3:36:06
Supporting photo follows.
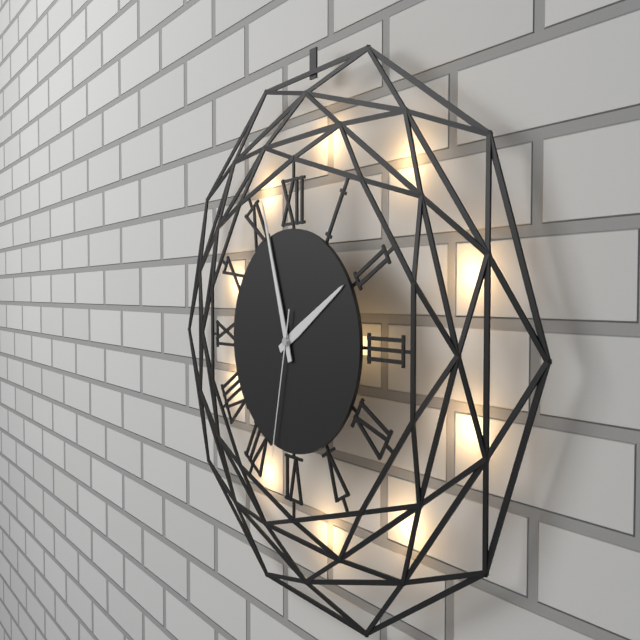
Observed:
1:57:32
